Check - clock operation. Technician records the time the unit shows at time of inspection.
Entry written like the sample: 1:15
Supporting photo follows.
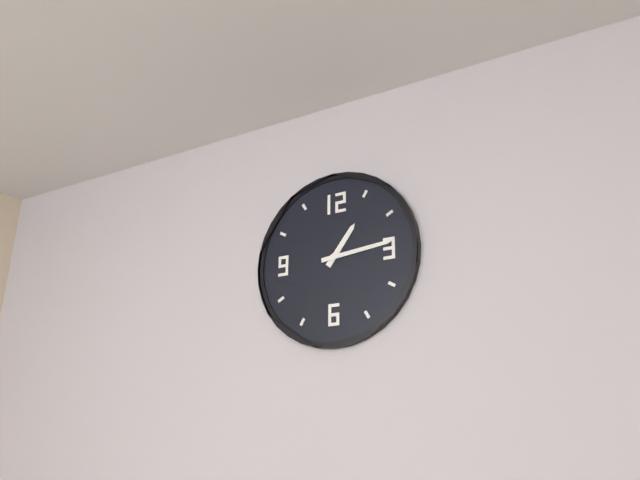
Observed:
1:14
